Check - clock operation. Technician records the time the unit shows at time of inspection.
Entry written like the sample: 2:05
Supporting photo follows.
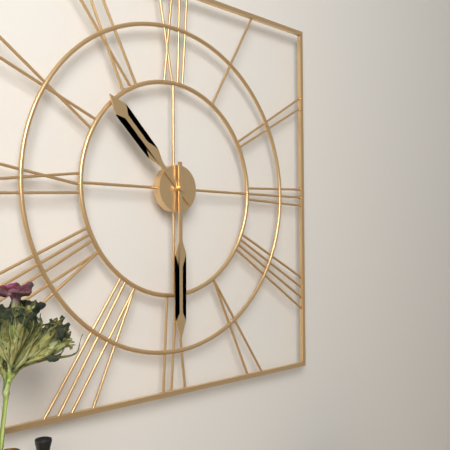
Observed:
10:30
